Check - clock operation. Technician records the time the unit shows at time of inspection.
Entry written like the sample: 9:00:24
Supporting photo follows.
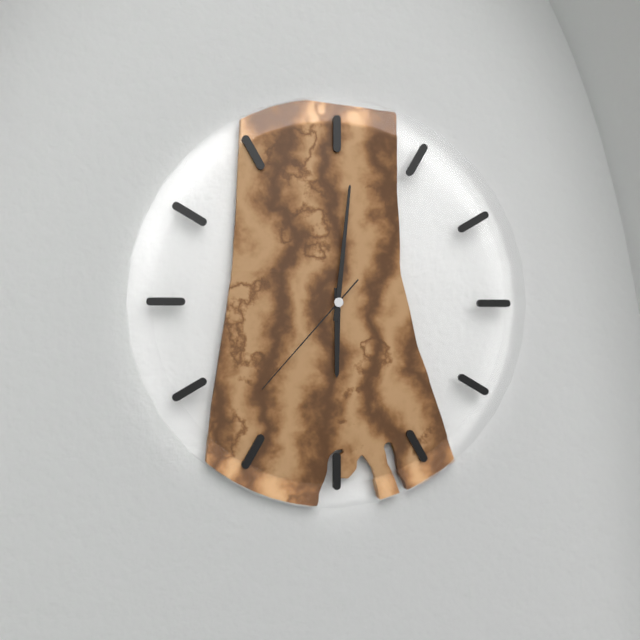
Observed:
6:01:37
